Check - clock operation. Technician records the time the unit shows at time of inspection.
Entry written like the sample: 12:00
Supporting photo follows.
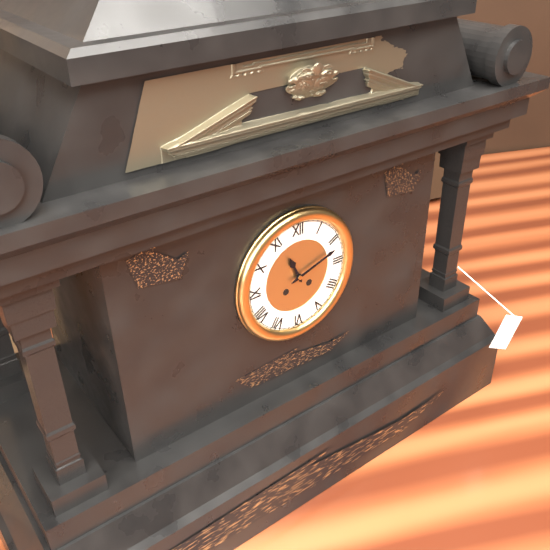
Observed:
11:12
